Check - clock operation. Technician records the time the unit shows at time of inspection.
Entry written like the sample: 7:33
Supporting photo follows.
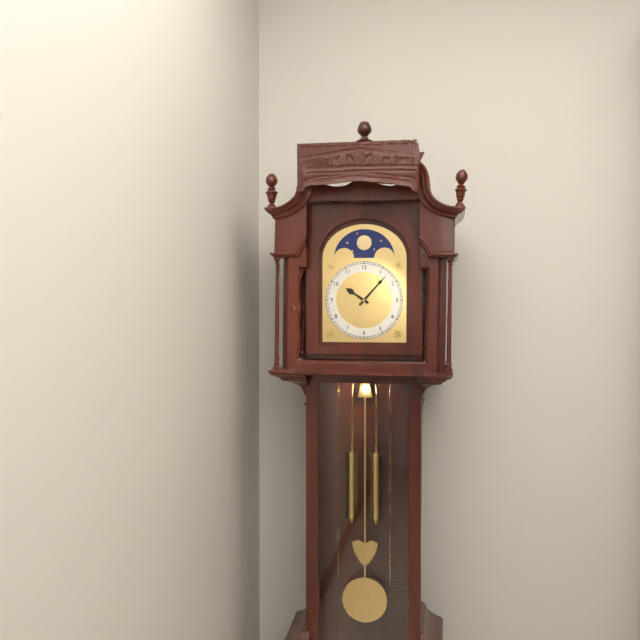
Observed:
10:07
